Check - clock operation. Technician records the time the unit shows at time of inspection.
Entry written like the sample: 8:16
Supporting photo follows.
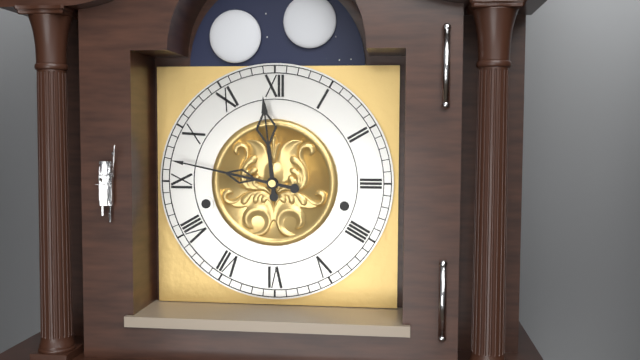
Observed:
11:47
